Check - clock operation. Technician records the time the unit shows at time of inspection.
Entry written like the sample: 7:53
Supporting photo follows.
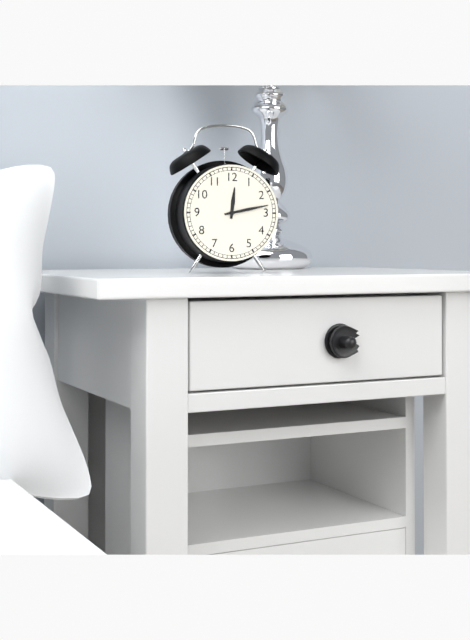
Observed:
12:13
